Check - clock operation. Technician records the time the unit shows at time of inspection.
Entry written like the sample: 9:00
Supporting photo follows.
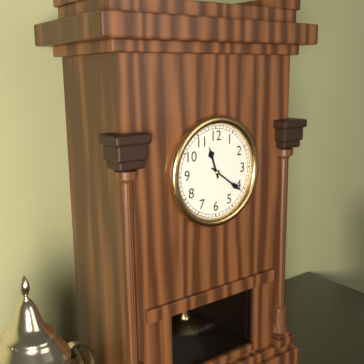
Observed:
11:21
